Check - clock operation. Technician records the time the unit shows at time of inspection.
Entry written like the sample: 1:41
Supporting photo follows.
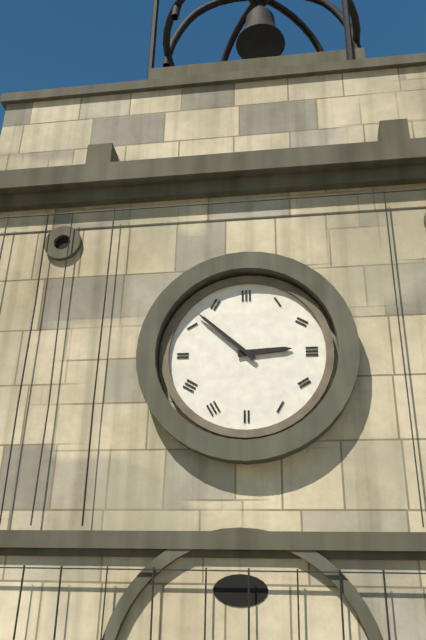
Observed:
2:52
